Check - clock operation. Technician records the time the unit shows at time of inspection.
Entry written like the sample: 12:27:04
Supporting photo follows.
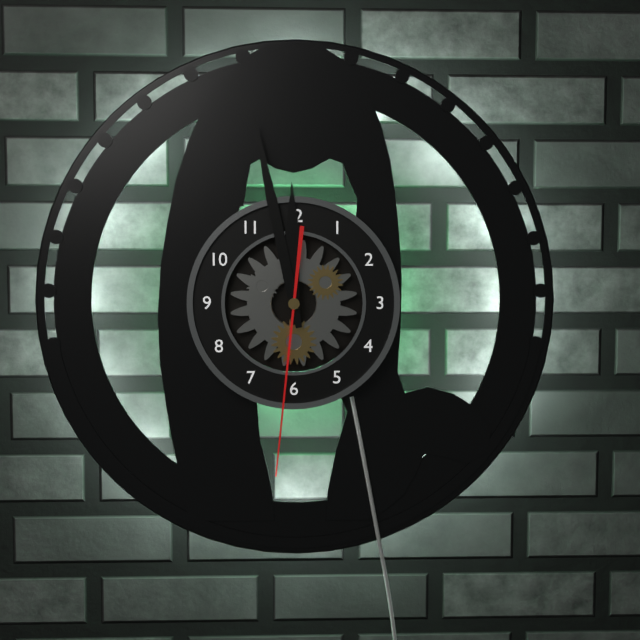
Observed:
11:58:31
